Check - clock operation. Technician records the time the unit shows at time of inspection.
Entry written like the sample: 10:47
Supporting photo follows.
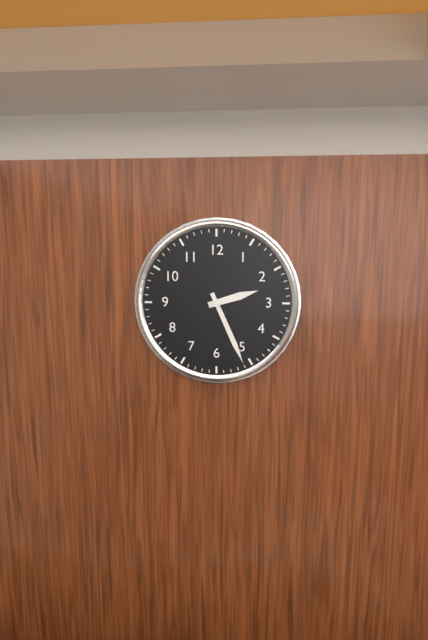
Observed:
2:26
